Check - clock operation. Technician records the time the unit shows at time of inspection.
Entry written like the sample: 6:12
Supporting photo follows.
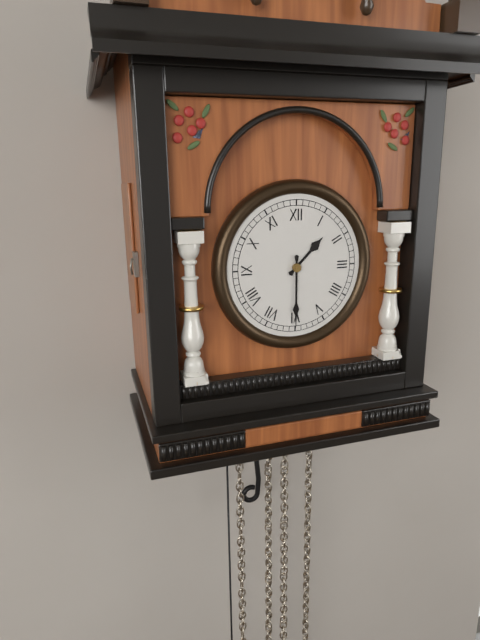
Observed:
1:30
